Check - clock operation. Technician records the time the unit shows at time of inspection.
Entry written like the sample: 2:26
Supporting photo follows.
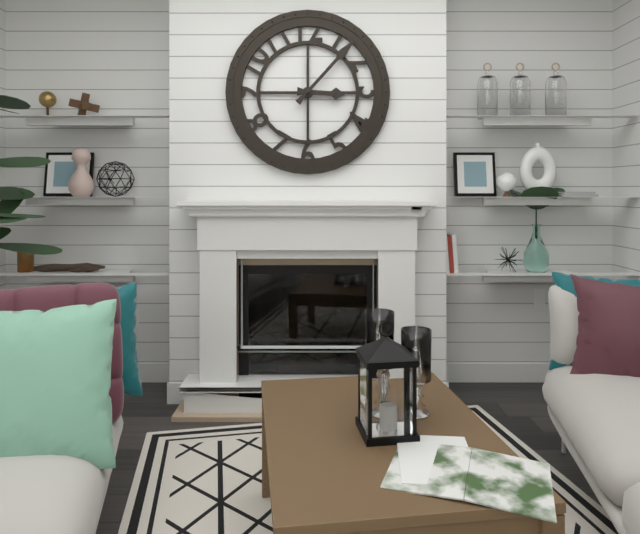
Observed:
3:07
